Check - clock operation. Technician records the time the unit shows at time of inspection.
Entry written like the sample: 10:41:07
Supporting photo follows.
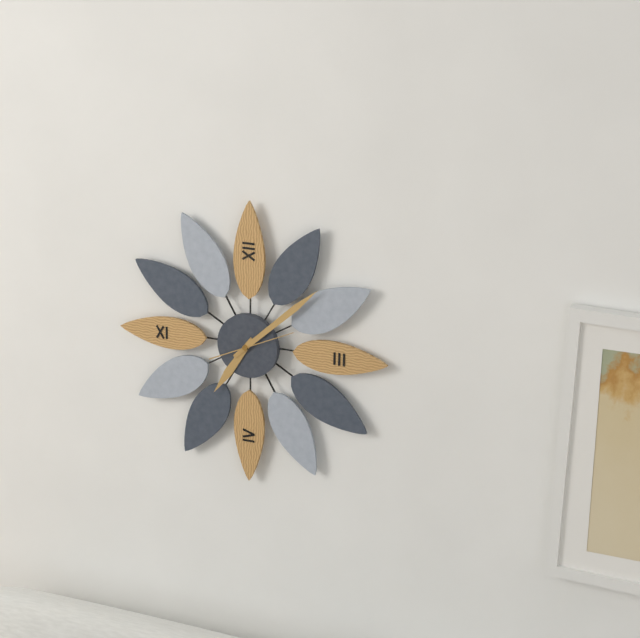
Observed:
7:08:11
